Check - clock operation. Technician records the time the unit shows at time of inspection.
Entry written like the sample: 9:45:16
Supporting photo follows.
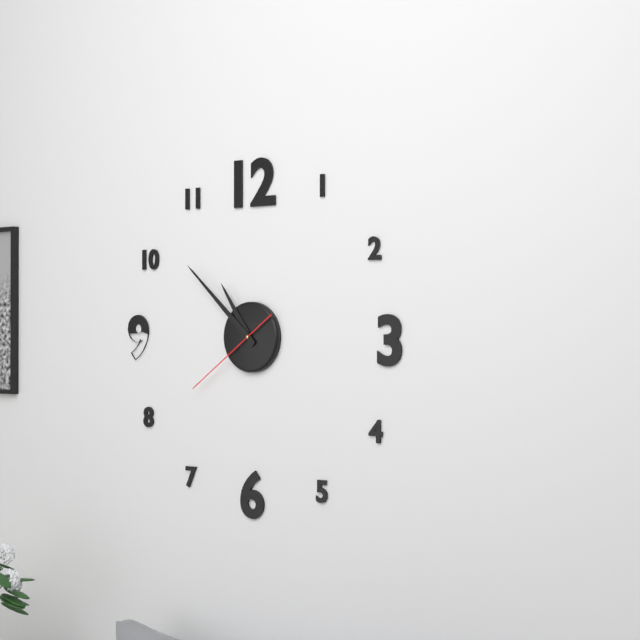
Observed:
10:52:39
